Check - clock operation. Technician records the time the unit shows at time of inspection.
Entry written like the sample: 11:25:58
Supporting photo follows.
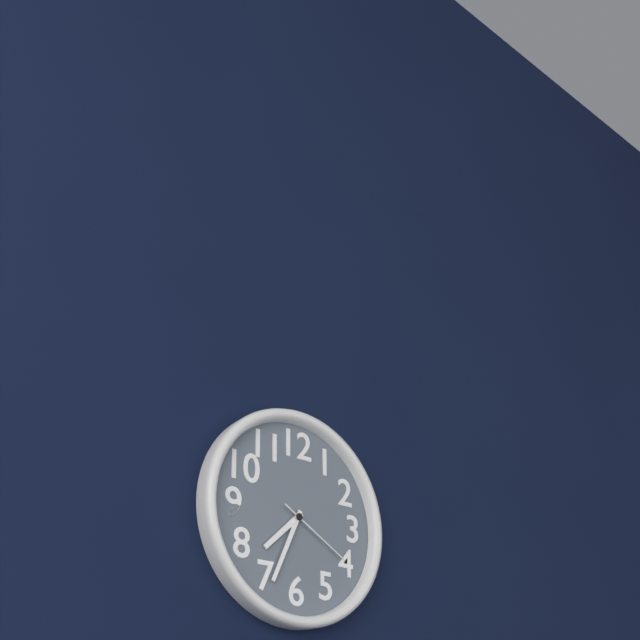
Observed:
7:34:20
